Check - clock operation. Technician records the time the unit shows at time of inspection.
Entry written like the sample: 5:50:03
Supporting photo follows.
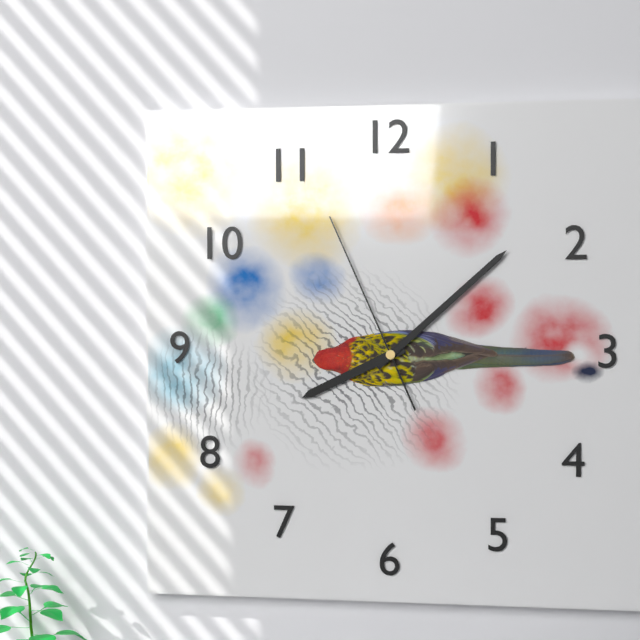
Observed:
8:08:56
